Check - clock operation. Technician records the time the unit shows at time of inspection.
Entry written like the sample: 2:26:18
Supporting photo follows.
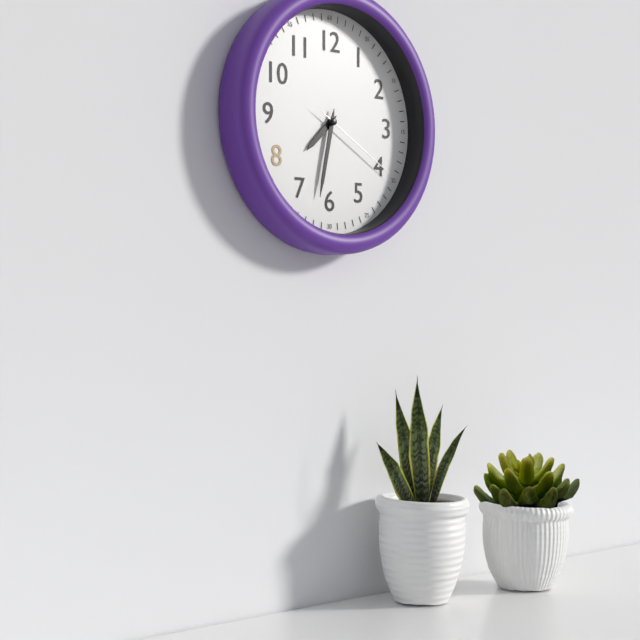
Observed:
7:32:20
